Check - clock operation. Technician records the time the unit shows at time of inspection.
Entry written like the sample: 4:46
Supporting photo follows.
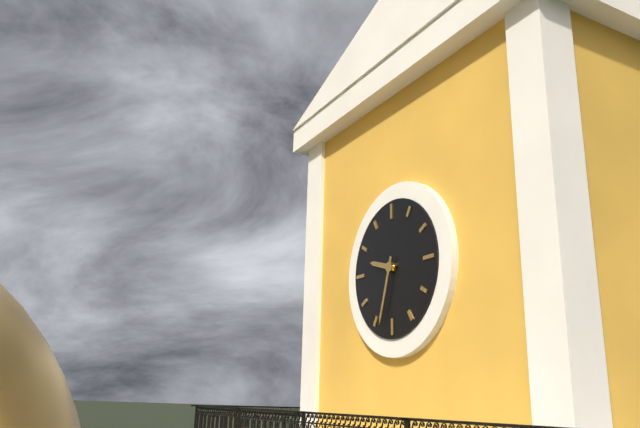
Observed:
9:33
